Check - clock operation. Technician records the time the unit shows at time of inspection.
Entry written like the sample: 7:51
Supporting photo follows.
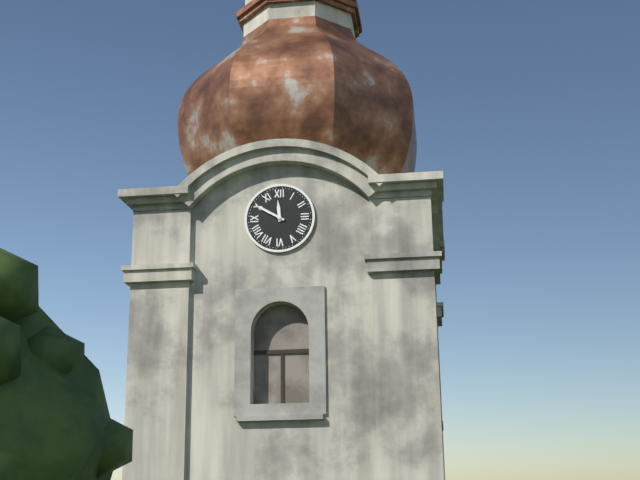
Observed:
11:50
